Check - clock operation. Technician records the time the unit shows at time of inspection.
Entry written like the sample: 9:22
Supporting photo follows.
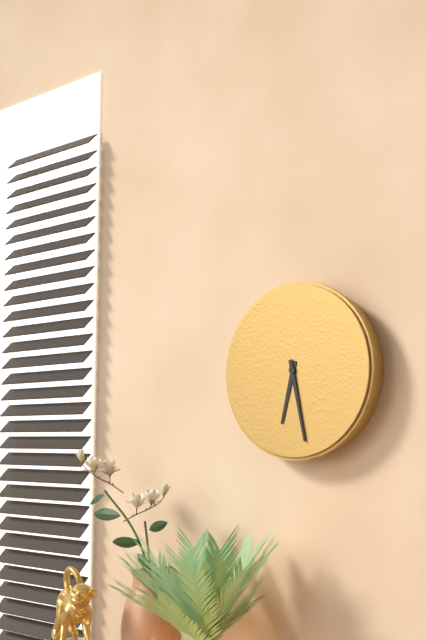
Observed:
6:28
